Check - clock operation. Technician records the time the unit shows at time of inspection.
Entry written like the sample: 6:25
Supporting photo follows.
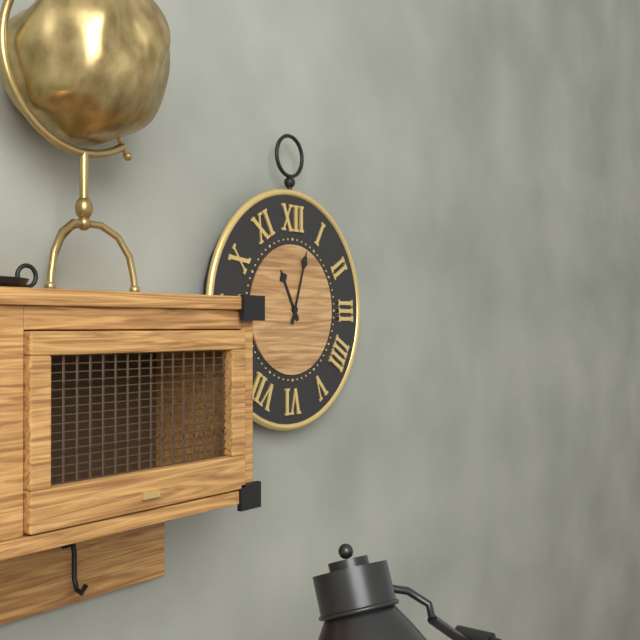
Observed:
11:03
